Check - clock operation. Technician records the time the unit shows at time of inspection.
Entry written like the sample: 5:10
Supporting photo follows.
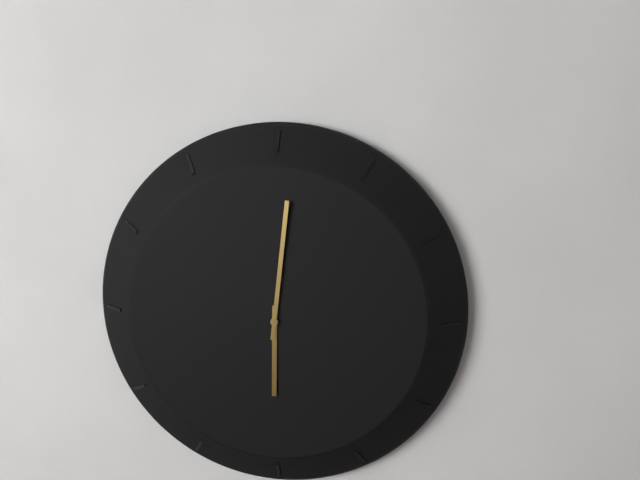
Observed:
6:01
